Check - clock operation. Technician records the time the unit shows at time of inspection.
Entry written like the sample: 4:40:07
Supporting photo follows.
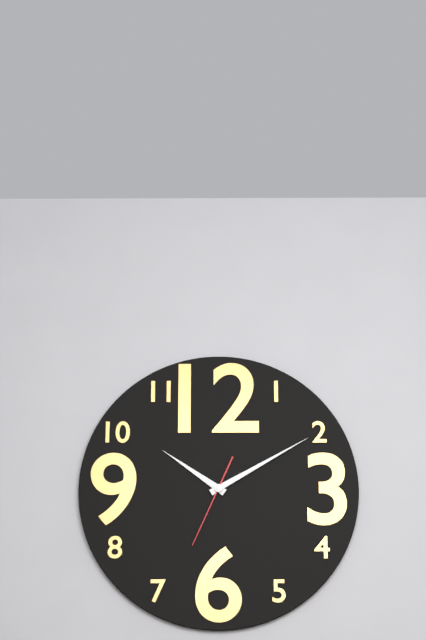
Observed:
10:10:34
